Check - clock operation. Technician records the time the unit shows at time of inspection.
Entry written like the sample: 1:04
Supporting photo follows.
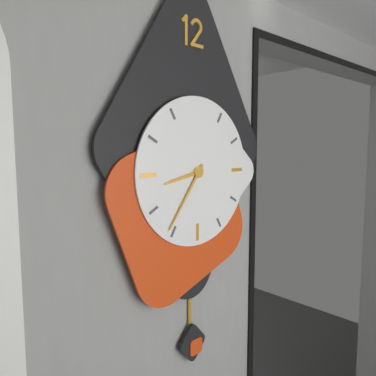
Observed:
8:36
